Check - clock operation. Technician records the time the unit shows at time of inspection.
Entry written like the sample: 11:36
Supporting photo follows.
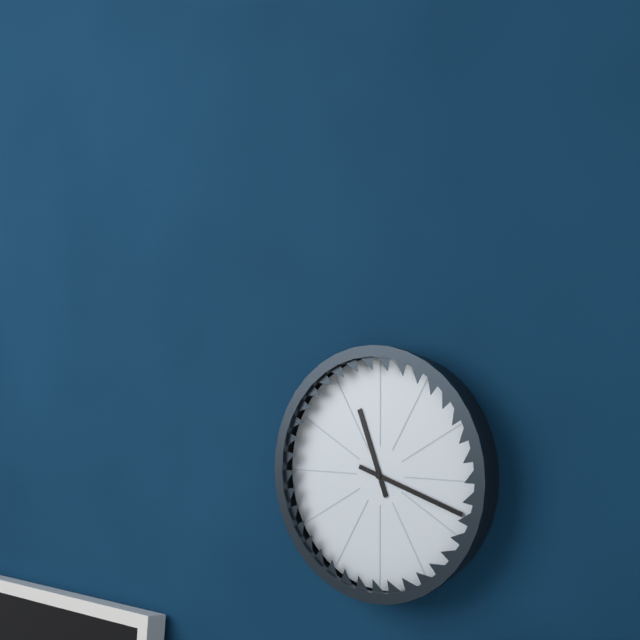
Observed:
11:18
